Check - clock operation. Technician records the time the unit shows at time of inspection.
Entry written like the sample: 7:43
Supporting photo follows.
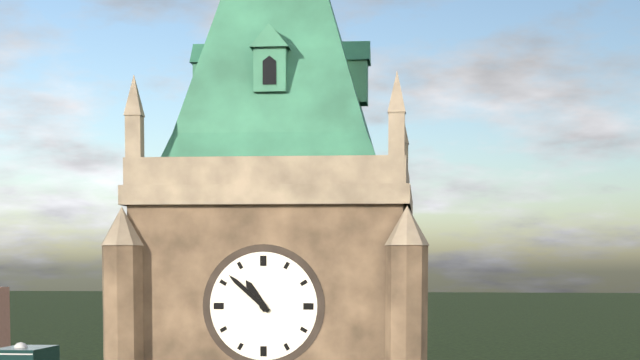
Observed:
10:52
